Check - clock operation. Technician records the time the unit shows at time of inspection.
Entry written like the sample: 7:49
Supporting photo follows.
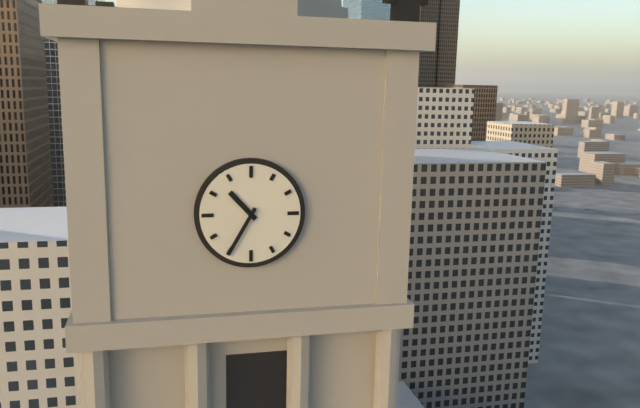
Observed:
10:35
